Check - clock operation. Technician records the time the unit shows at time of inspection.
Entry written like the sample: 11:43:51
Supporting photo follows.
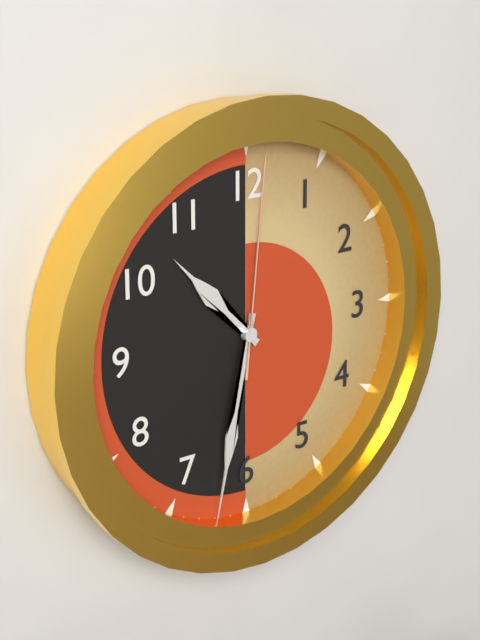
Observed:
10:32:01
